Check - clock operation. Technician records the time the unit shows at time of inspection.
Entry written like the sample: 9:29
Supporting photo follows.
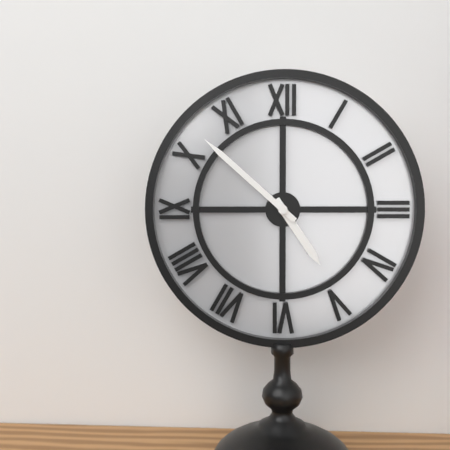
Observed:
4:52
